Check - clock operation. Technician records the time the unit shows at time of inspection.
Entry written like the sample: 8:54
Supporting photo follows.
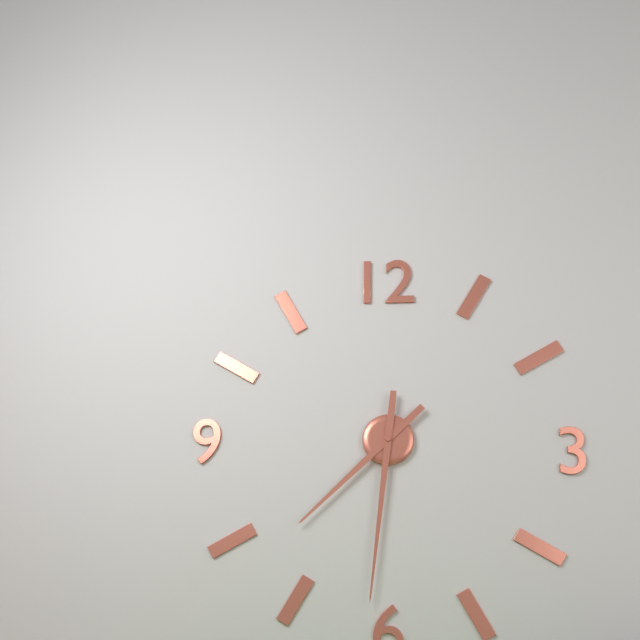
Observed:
7:31
